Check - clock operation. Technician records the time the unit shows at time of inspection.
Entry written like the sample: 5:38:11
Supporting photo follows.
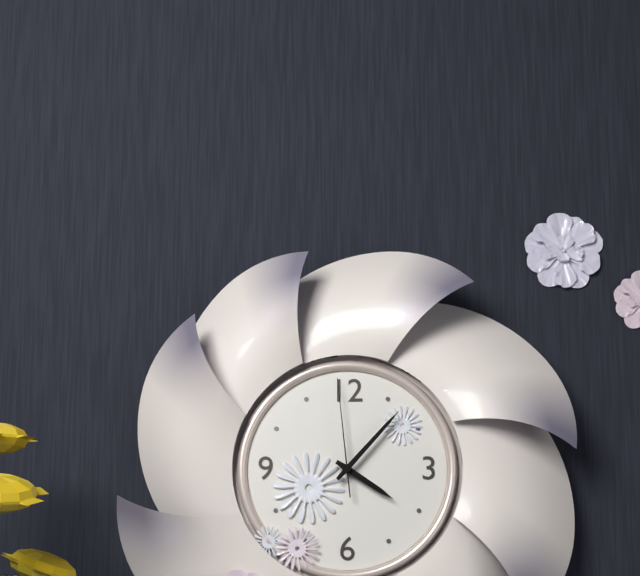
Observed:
4:07:59
